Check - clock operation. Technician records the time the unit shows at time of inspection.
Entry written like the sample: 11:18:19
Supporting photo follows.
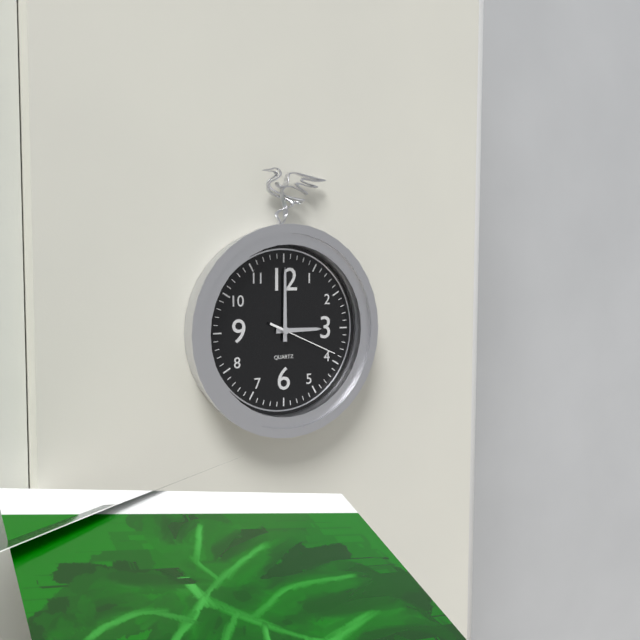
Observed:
3:00:19
